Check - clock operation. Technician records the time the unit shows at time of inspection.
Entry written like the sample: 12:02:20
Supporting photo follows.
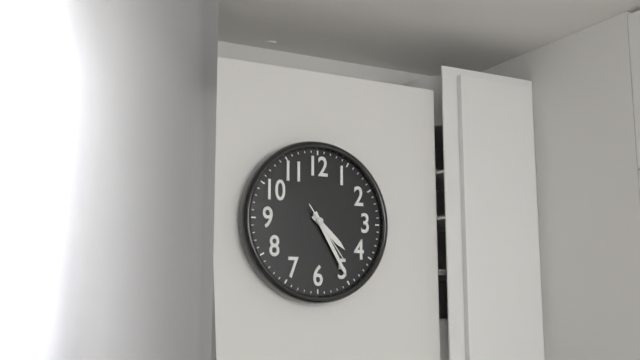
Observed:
4:25:24
